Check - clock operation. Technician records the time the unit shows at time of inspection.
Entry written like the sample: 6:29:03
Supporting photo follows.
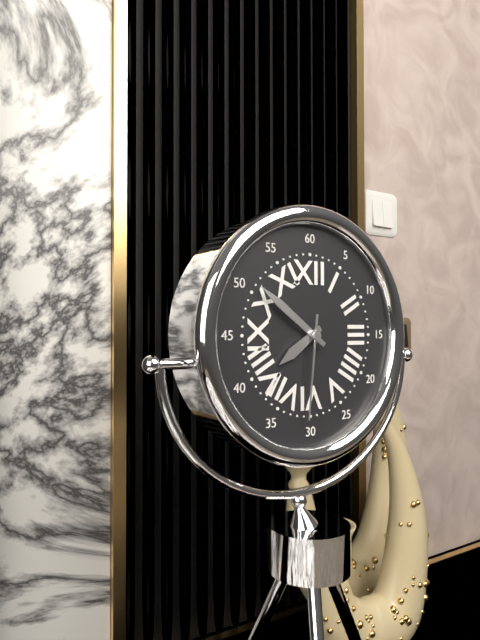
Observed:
7:51:31
